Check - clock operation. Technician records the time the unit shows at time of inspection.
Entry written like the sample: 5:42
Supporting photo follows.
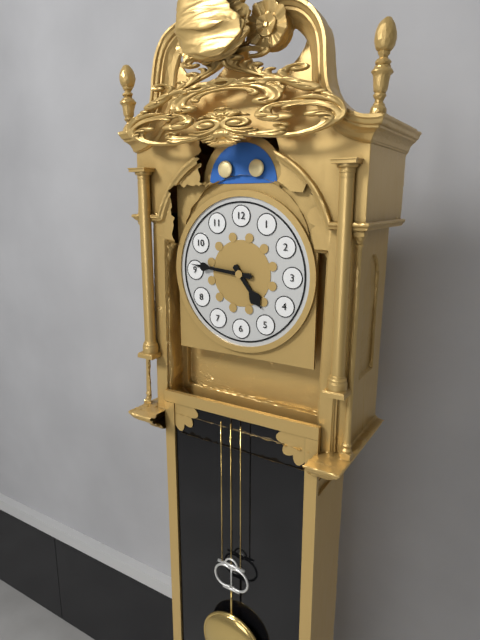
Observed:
4:46
